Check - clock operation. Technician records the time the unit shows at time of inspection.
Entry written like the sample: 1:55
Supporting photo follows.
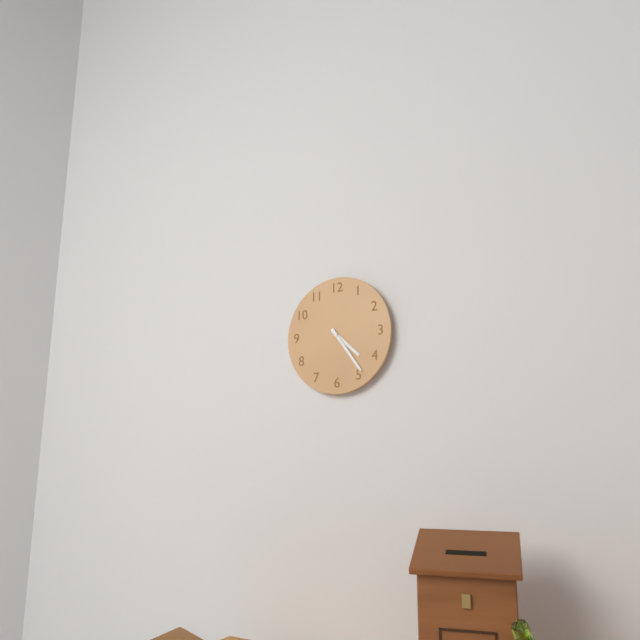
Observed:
4:24
